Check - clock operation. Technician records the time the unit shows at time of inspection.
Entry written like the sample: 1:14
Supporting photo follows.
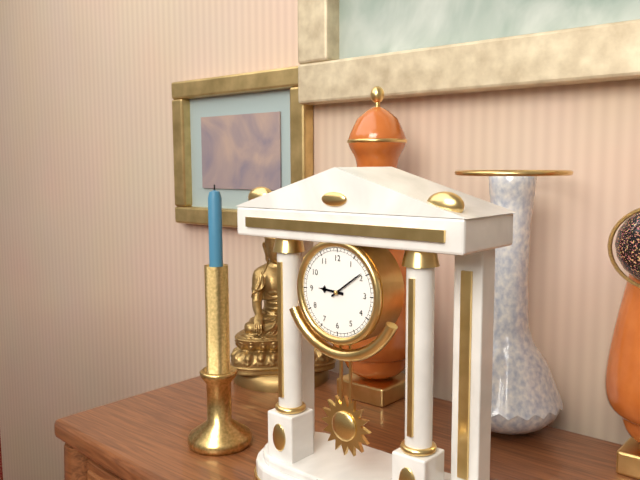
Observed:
9:09
